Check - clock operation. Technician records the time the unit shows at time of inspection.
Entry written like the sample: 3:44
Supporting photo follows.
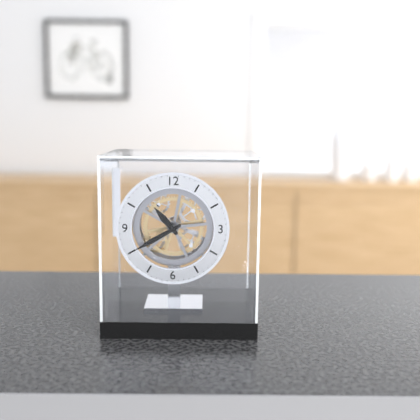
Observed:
10:40
